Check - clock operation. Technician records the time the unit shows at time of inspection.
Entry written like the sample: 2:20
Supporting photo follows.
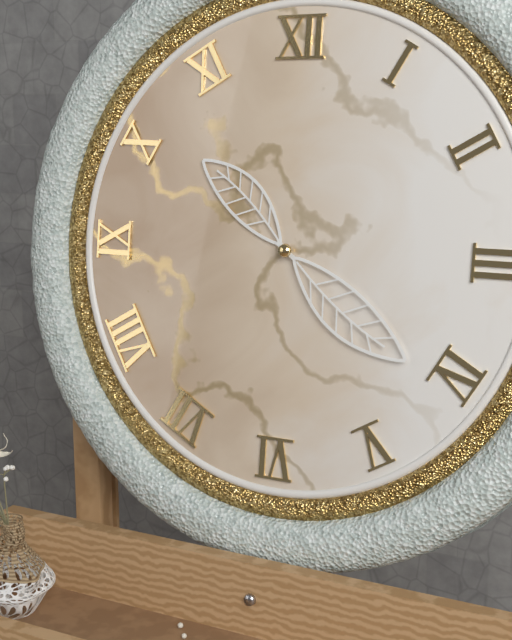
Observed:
10:21
